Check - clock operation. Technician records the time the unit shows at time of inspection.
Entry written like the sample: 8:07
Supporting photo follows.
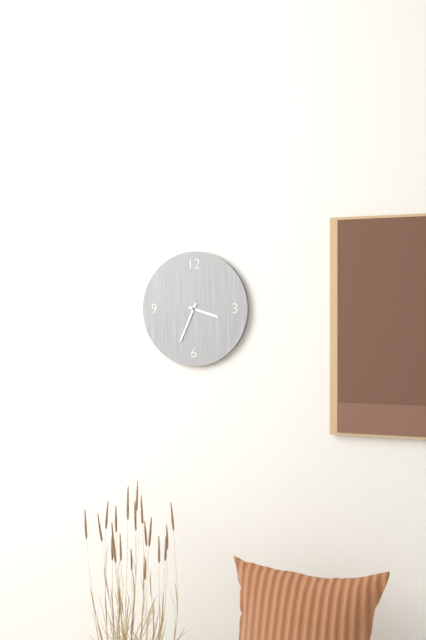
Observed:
3:34
